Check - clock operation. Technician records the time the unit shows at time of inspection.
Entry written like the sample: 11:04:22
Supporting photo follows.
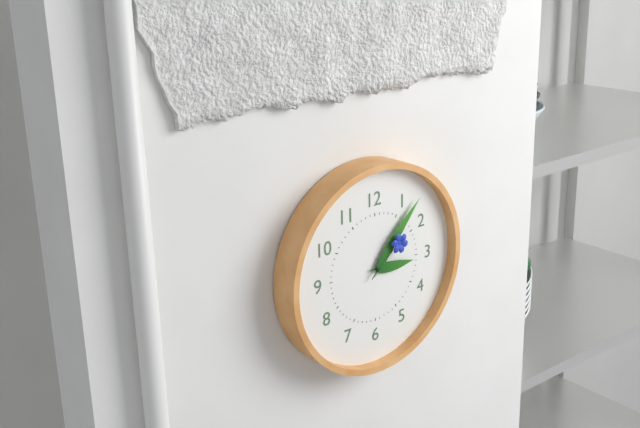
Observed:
3:07:08
